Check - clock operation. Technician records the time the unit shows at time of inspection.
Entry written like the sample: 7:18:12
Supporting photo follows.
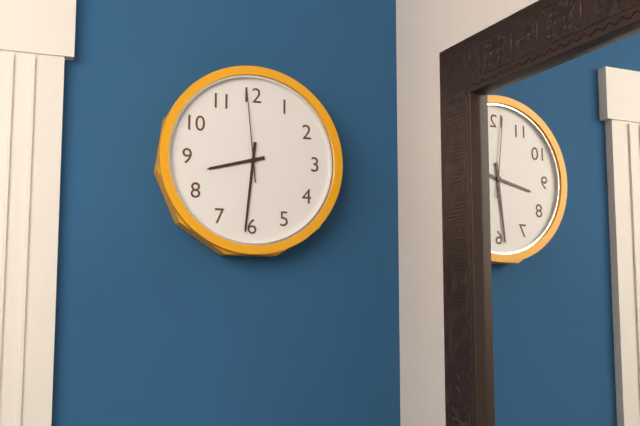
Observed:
8:31:59
